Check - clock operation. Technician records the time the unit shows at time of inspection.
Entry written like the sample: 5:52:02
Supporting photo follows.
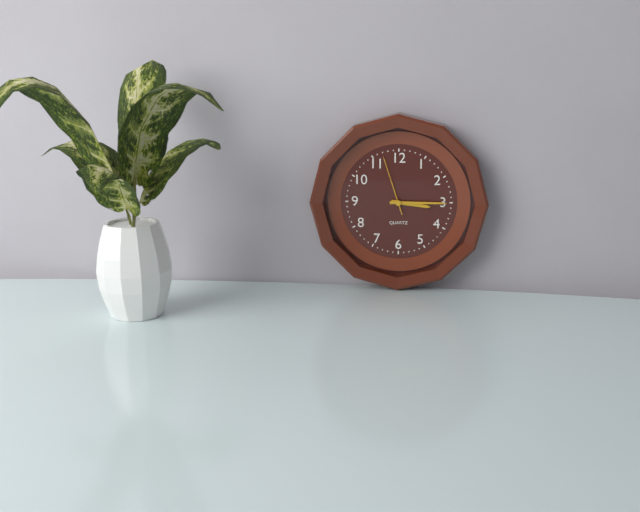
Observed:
3:15:57
